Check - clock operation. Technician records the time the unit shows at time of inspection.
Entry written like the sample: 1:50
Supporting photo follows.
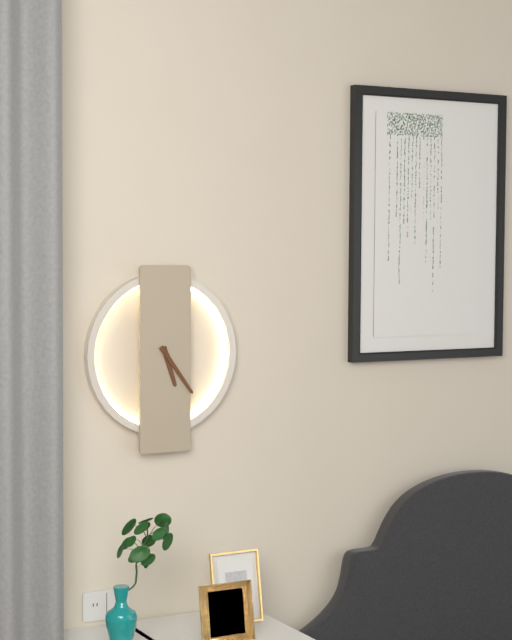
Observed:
5:24
